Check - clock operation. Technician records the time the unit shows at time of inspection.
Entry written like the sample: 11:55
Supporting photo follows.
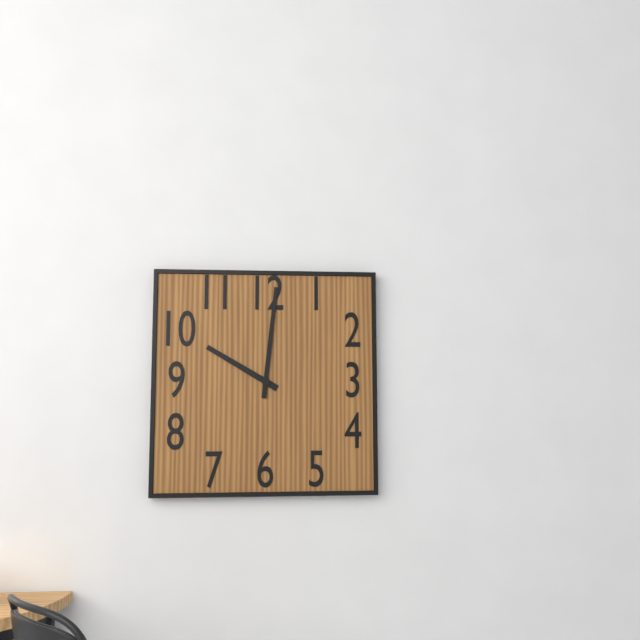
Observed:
10:01
